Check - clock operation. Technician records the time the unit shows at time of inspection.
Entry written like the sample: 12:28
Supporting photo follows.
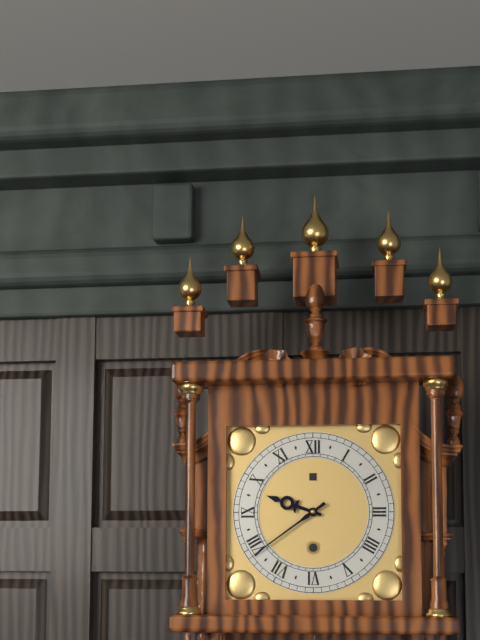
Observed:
9:39
